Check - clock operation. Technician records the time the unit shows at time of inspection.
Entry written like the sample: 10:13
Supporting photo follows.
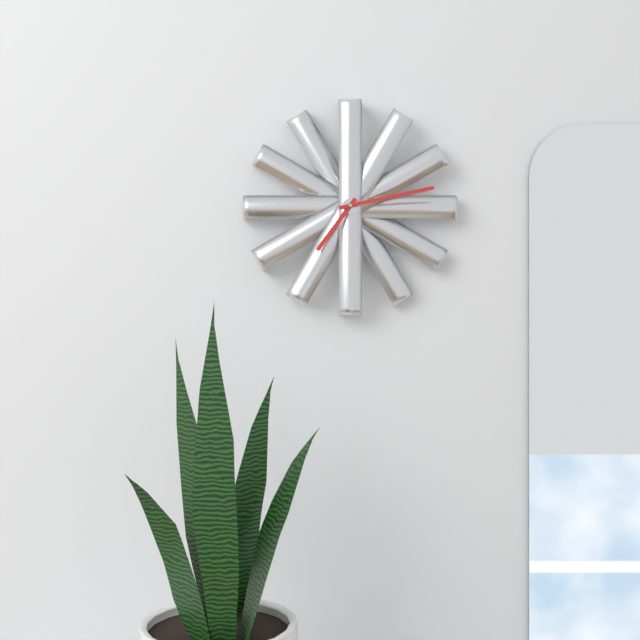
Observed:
7:13
